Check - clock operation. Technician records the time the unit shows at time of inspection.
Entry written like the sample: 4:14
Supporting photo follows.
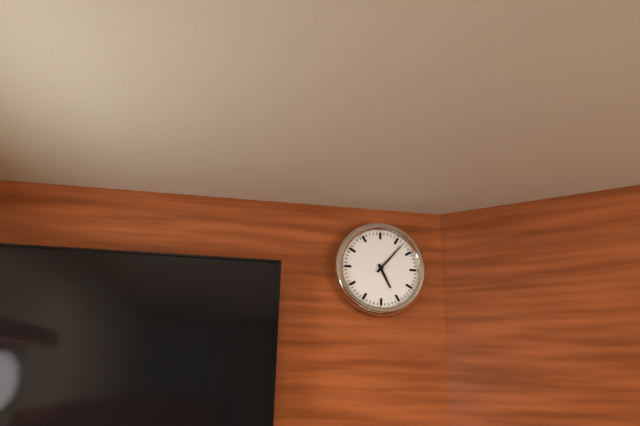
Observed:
5:07
